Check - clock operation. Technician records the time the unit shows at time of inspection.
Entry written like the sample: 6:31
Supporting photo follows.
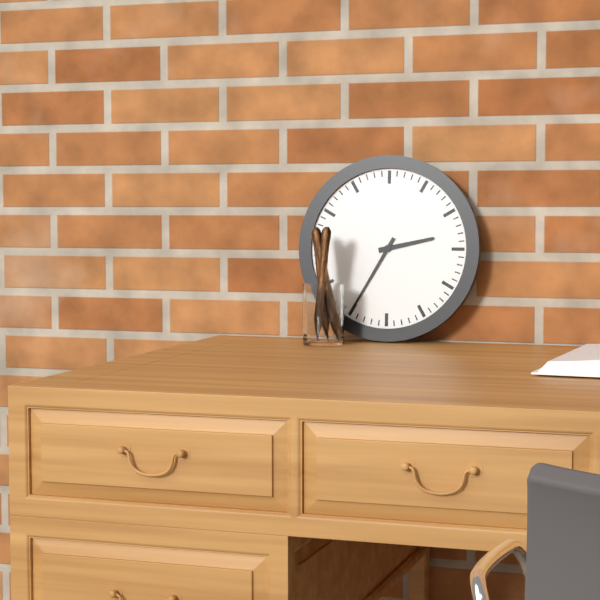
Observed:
2:35
